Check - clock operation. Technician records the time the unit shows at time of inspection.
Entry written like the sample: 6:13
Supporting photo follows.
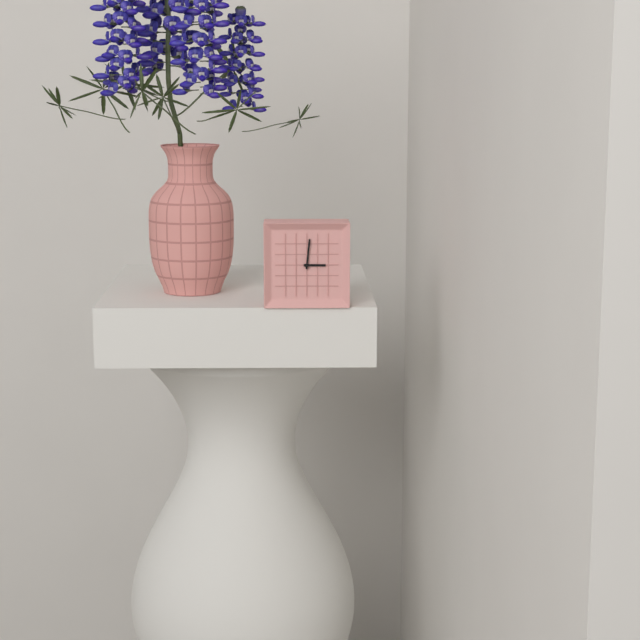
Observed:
3:01
